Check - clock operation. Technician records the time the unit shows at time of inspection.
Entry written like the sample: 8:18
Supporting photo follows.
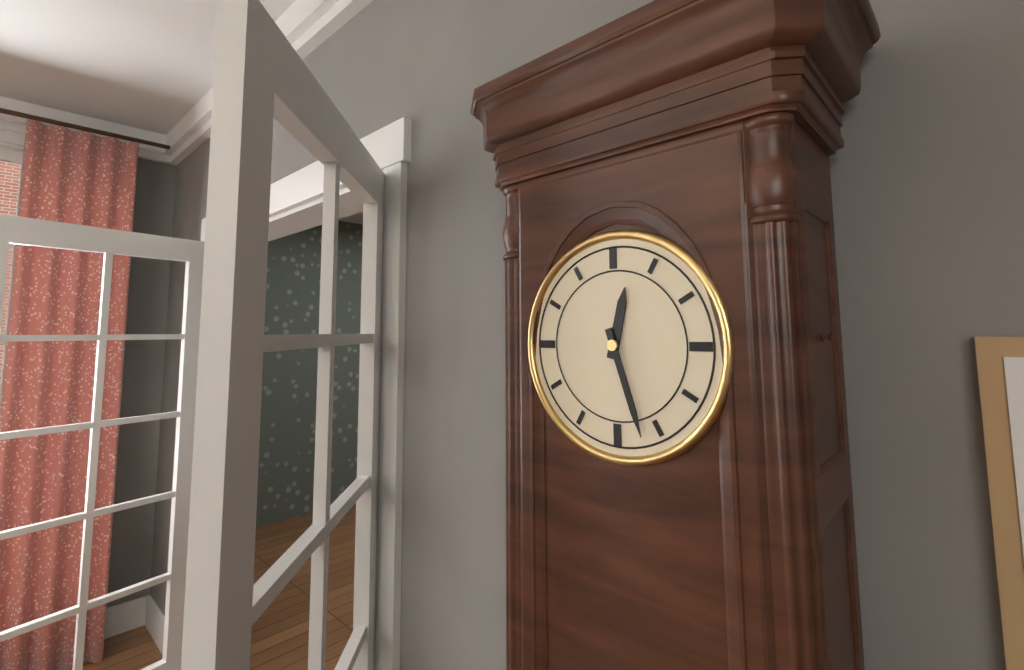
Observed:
12:27
